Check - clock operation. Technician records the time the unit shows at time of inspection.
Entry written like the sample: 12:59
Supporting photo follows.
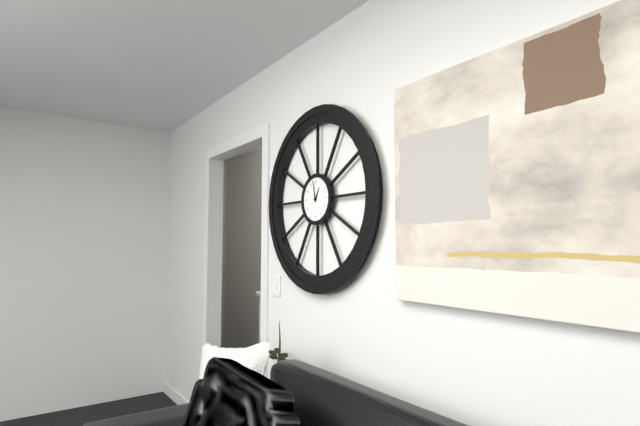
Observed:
12:58
